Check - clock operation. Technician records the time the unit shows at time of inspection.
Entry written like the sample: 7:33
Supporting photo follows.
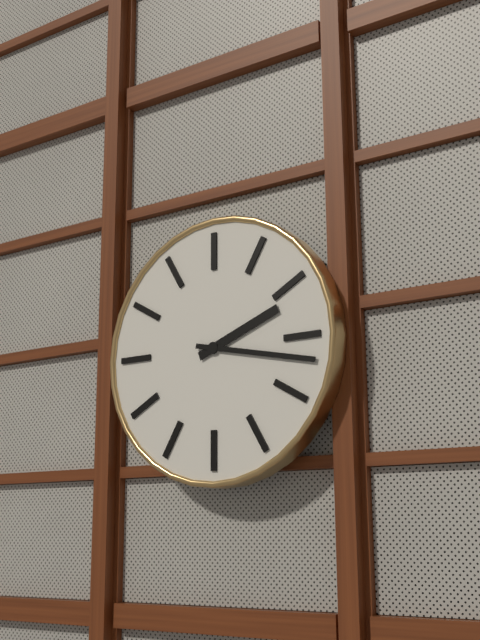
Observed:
2:17
